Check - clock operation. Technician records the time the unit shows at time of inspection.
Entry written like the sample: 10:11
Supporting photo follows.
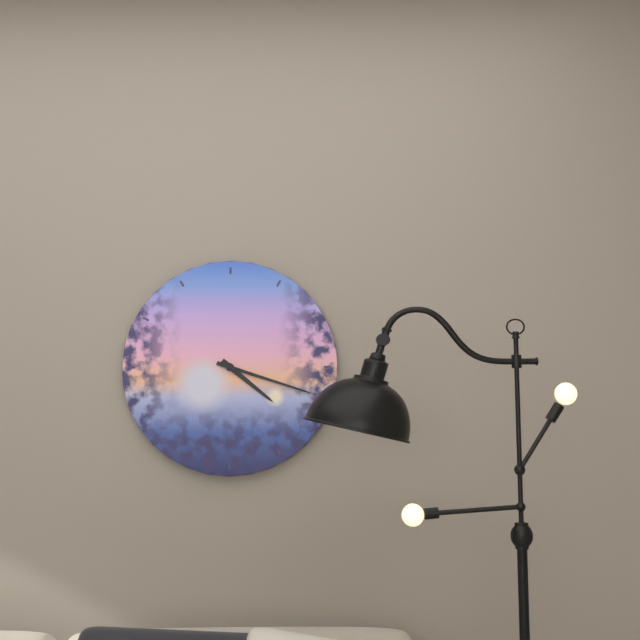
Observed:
4:18
